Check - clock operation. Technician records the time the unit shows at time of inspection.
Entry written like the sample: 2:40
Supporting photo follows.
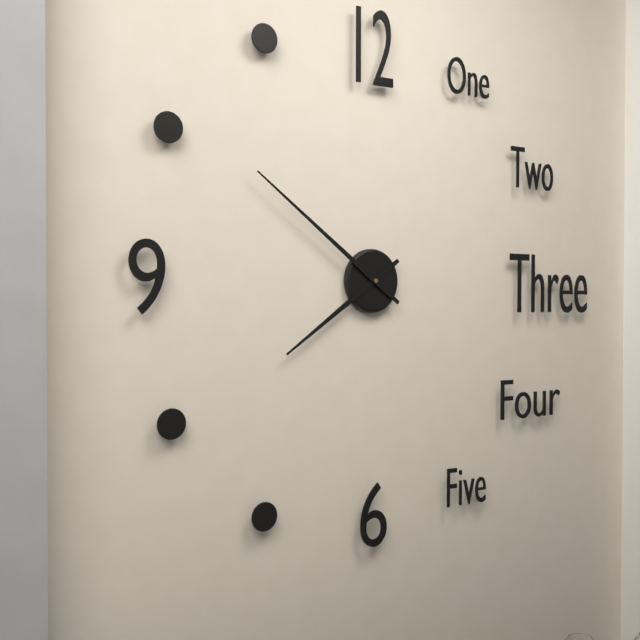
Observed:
7:51
